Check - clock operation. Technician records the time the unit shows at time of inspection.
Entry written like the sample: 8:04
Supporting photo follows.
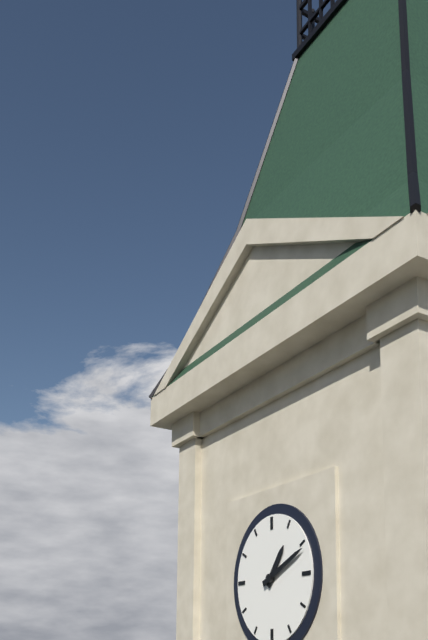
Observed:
1:11
